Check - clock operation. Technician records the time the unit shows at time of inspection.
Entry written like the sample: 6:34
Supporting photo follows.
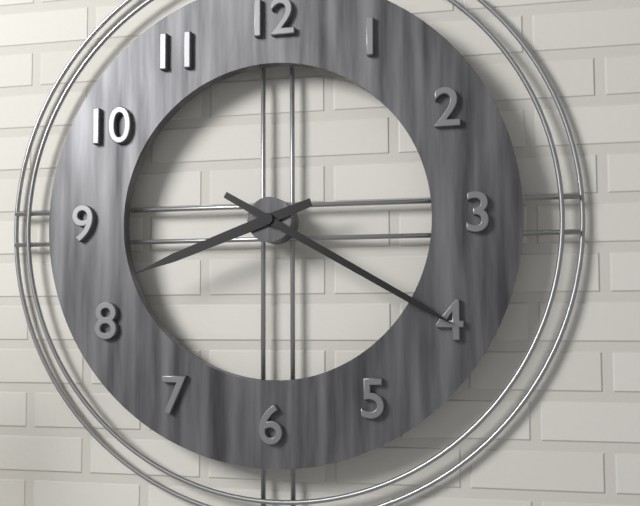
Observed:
8:20
